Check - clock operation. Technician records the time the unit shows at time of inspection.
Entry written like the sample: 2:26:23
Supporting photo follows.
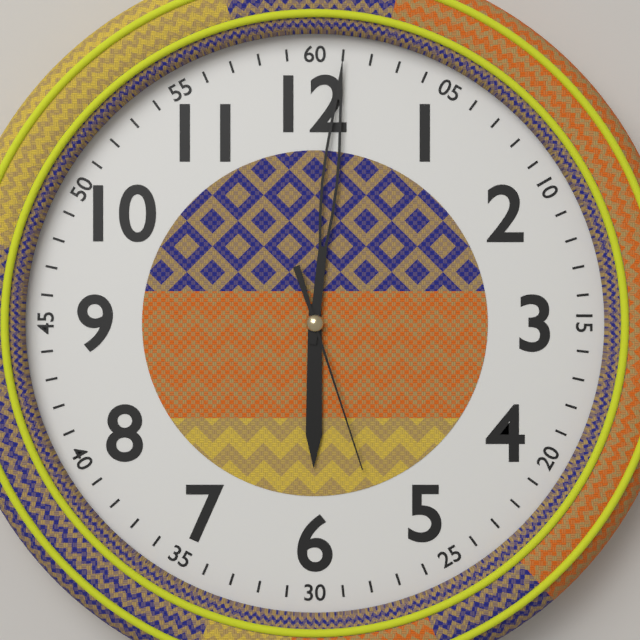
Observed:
6:01:27
